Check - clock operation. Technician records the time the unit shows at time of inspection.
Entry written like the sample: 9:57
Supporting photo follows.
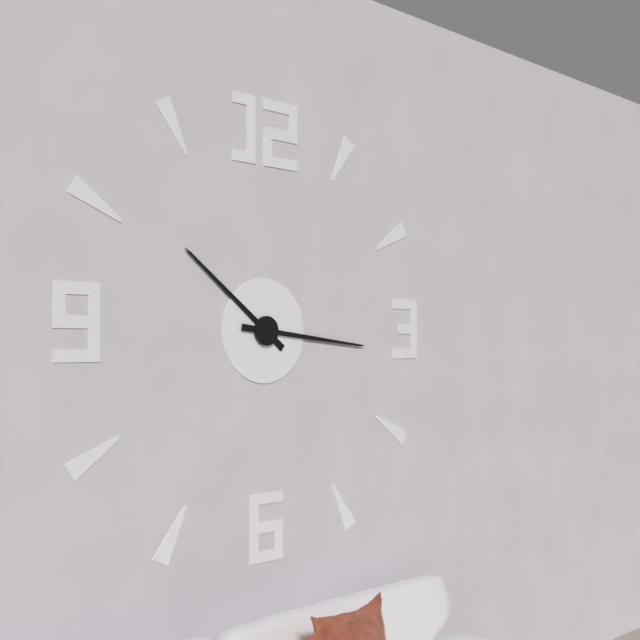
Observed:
10:16
